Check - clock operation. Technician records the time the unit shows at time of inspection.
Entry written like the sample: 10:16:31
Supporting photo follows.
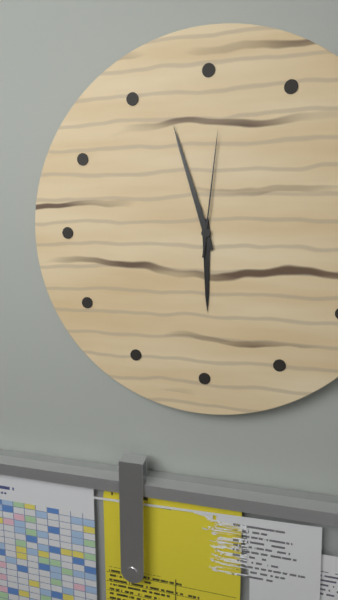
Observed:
5:57:01
